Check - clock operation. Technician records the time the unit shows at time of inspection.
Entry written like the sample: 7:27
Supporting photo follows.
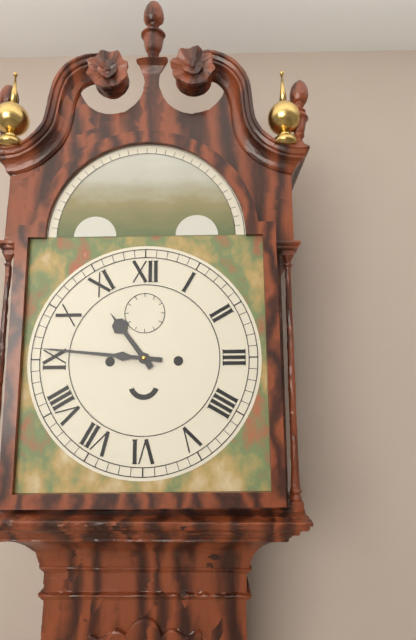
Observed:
10:46
